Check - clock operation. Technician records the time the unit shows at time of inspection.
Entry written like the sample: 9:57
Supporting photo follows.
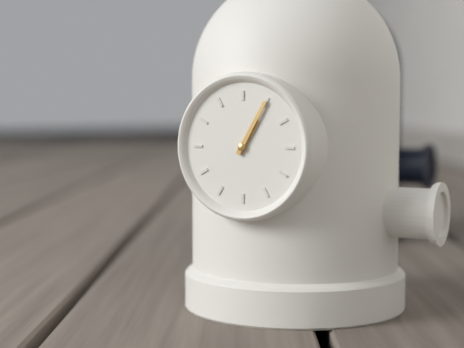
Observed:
1:05
